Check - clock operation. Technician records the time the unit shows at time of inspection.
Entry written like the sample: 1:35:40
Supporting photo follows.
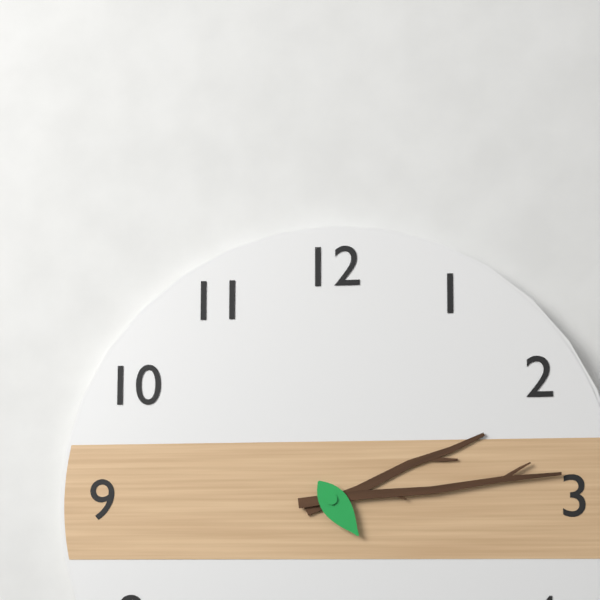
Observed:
2:14:24
